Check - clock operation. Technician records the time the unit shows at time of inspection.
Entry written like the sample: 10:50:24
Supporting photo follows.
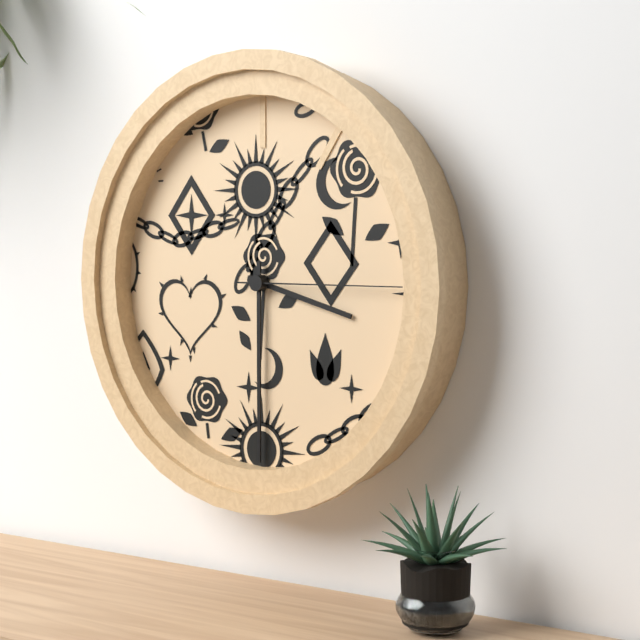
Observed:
3:30:15
